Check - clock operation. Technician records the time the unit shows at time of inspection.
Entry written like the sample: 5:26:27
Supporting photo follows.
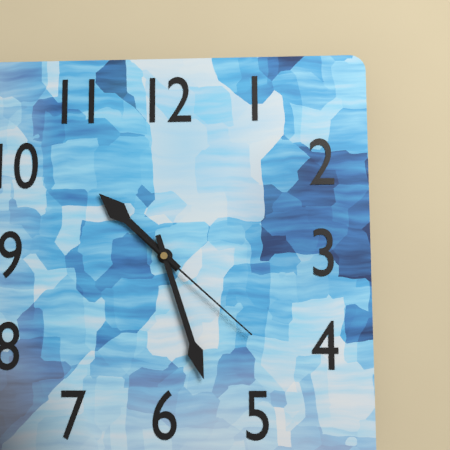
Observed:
10:27:22
